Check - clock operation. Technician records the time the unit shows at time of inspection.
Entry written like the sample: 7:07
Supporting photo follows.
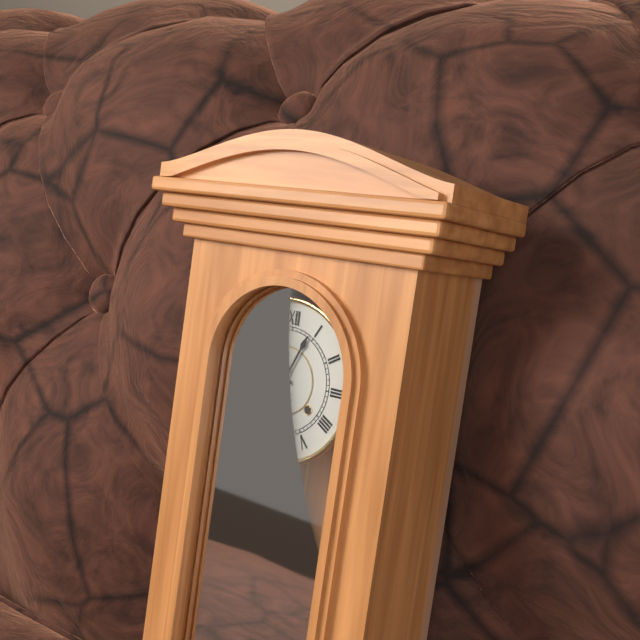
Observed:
9:04
